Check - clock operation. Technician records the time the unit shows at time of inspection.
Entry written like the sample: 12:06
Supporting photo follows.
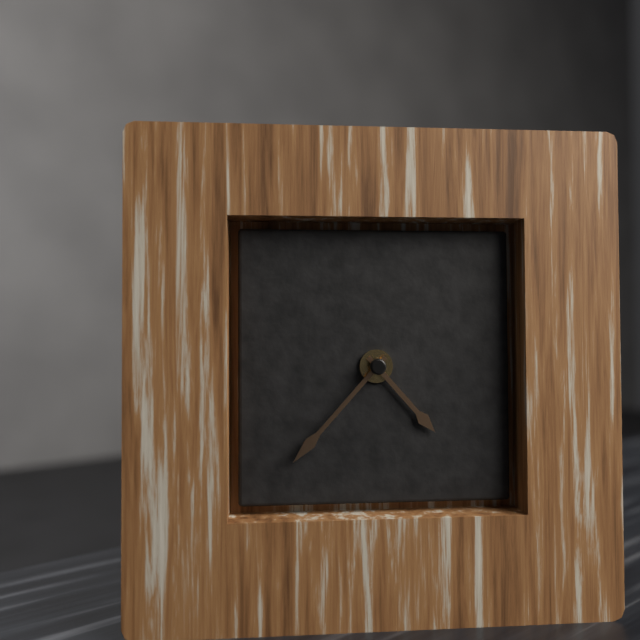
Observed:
4:37
